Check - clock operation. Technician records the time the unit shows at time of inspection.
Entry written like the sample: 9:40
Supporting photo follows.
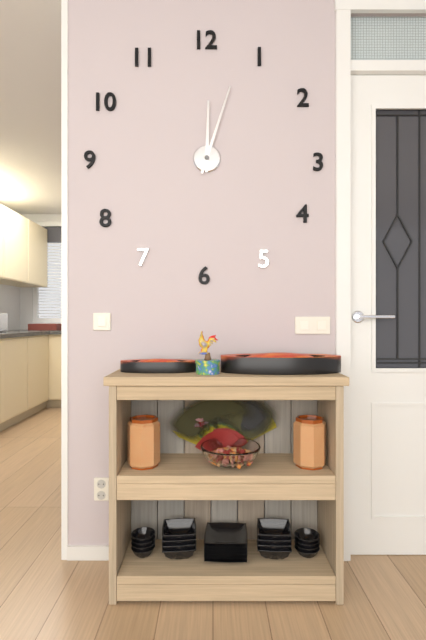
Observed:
12:03
